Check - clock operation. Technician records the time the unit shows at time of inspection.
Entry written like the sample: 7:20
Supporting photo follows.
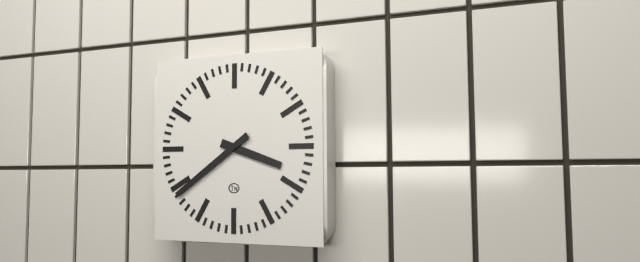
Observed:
3:39
